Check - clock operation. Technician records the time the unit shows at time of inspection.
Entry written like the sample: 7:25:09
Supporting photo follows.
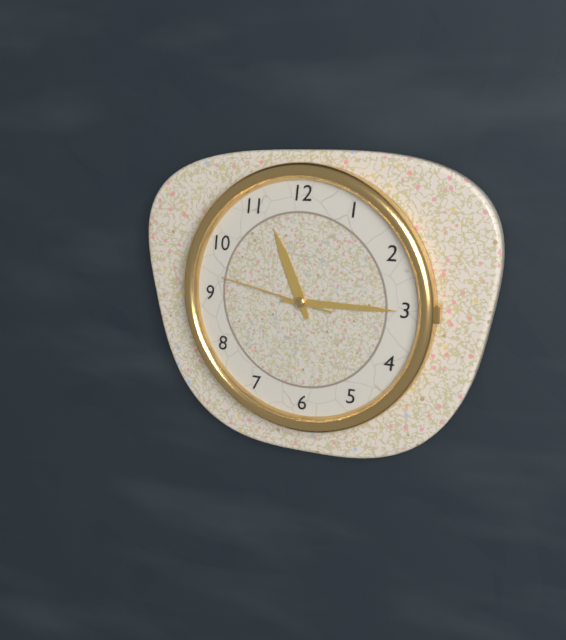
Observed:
11:15:47
